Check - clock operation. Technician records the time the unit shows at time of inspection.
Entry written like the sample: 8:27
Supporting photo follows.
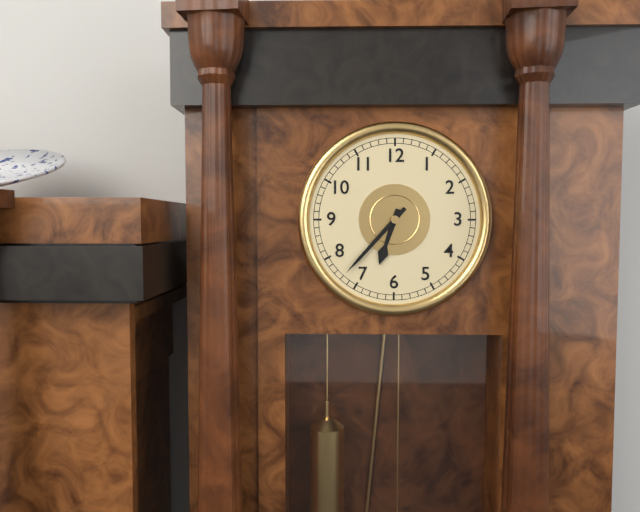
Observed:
6:37
